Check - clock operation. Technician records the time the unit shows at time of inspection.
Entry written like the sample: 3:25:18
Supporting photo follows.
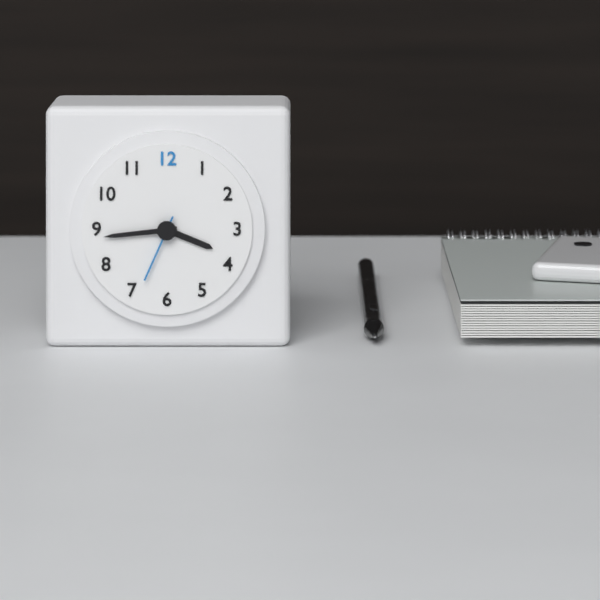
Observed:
3:44:34
